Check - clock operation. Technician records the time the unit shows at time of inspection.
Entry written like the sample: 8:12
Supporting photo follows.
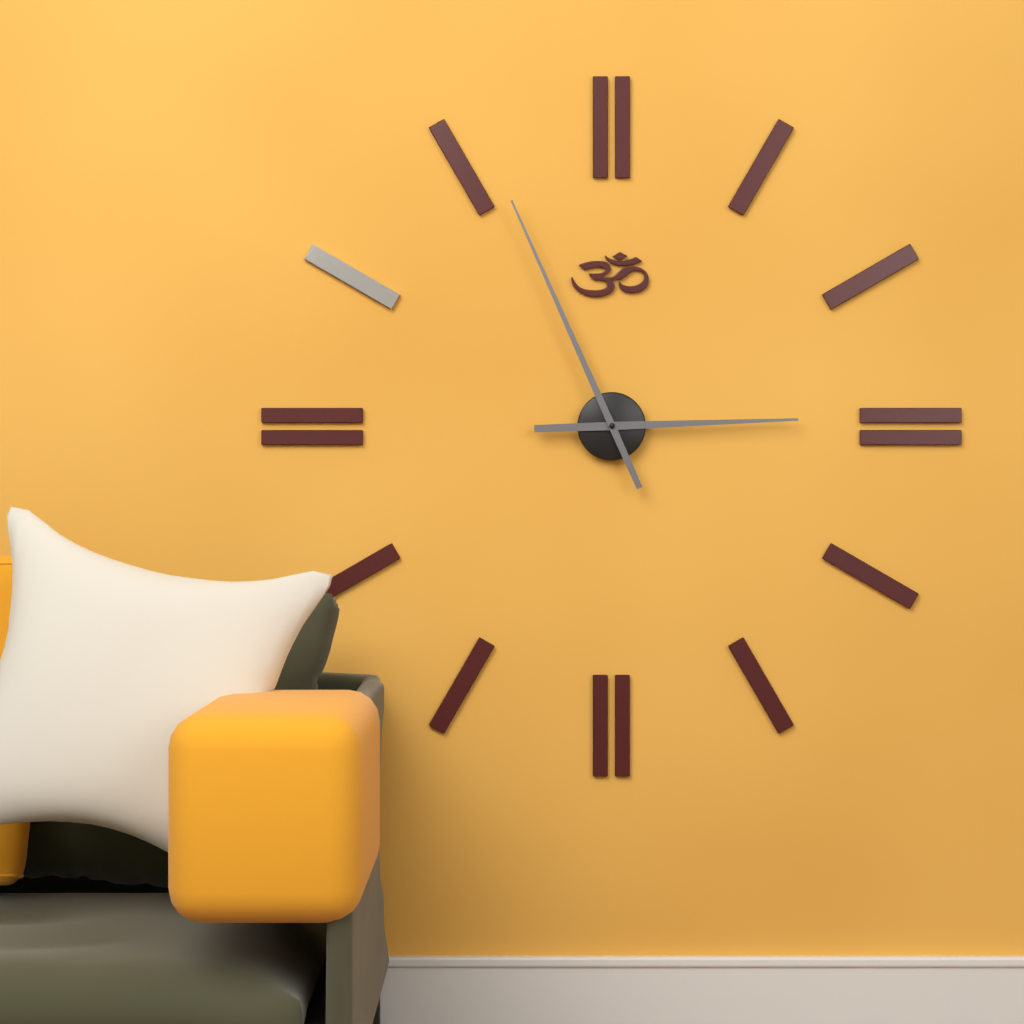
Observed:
2:56
